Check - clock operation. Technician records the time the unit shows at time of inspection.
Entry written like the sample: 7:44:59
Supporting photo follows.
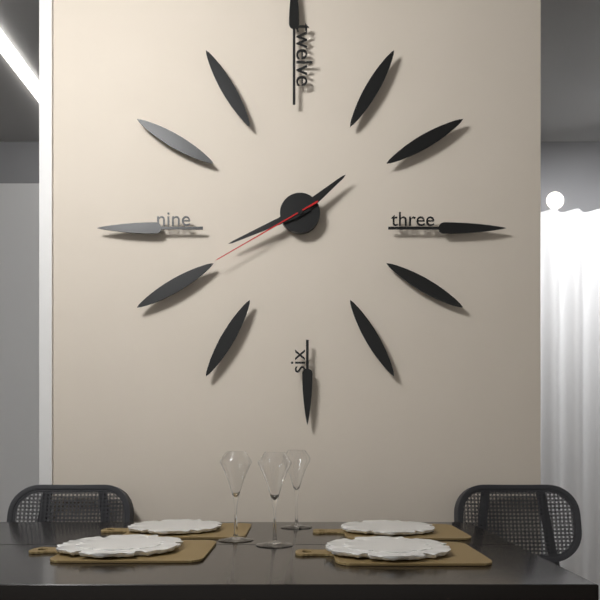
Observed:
1:41:40
